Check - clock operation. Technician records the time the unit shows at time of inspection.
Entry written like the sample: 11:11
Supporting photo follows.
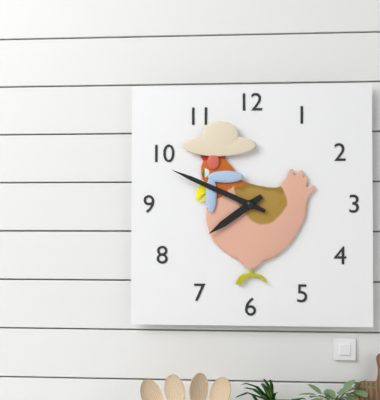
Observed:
7:49
